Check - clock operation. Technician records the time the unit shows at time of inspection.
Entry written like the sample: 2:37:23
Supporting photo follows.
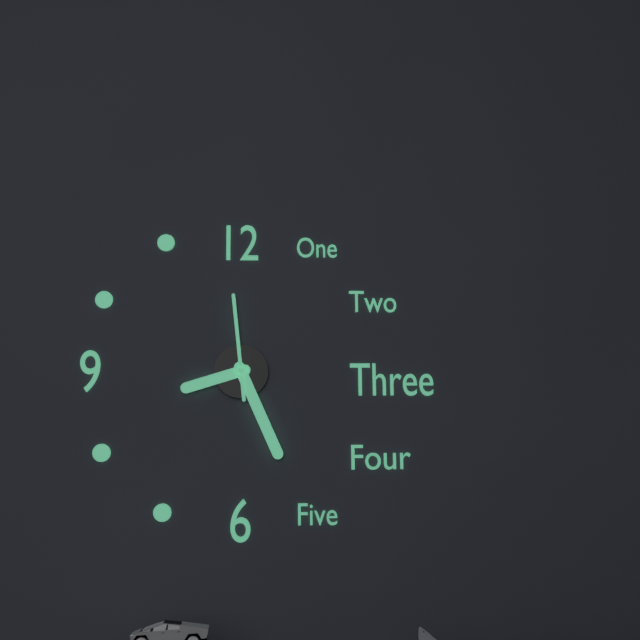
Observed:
8:26:59
